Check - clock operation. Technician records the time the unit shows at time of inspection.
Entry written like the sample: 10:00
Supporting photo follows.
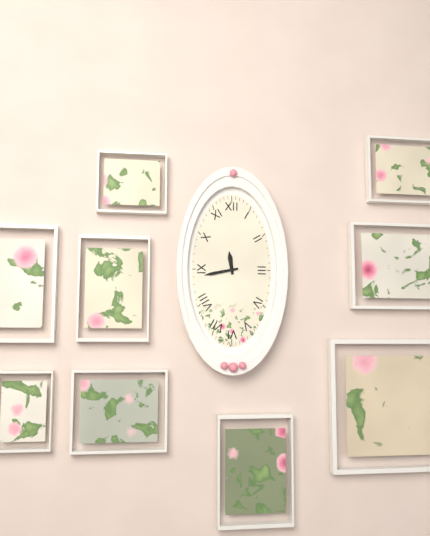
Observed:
11:43
